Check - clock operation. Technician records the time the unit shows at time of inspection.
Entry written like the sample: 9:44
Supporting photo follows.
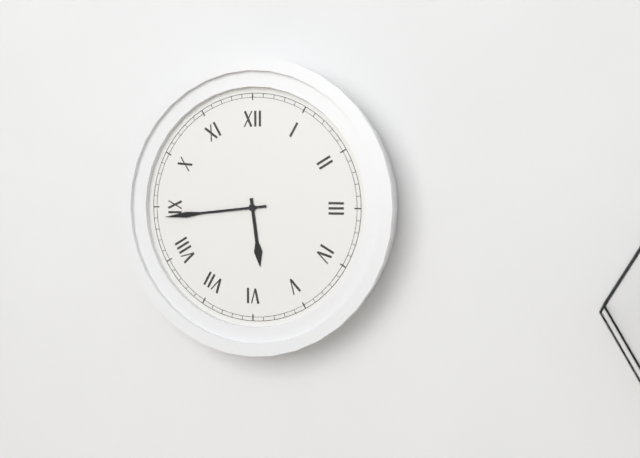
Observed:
5:44
